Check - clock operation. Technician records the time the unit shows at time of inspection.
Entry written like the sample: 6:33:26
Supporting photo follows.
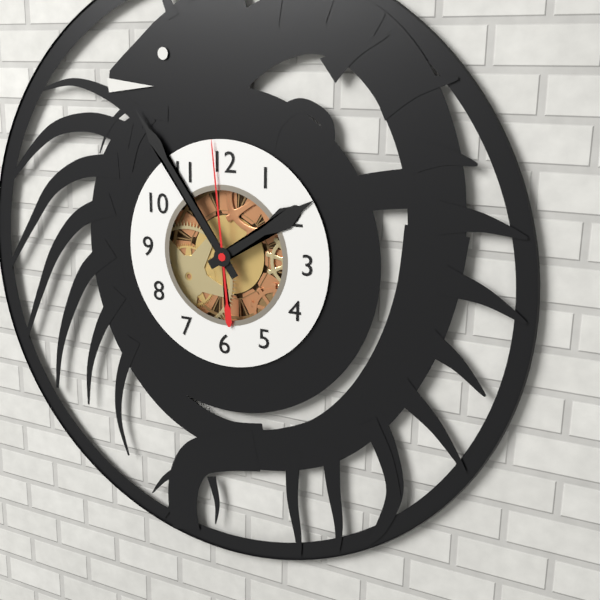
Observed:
1:54:59
